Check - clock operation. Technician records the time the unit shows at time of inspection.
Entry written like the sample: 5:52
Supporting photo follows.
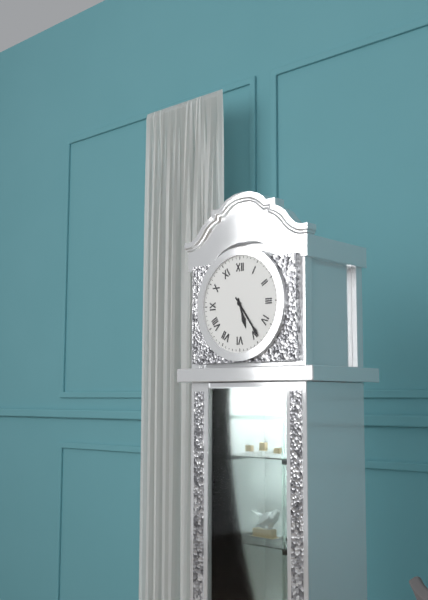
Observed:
5:24
